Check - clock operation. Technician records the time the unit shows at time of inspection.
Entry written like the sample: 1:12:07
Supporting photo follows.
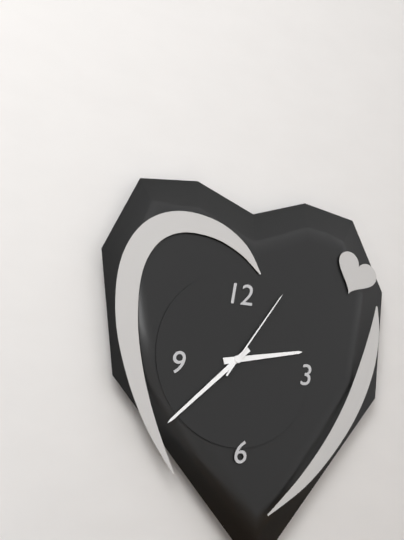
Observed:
2:38:06
